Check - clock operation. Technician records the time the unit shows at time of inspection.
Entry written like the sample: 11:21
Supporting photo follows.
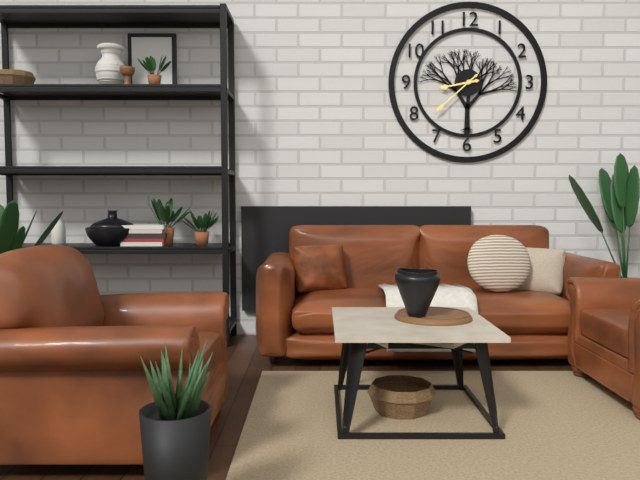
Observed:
8:38
